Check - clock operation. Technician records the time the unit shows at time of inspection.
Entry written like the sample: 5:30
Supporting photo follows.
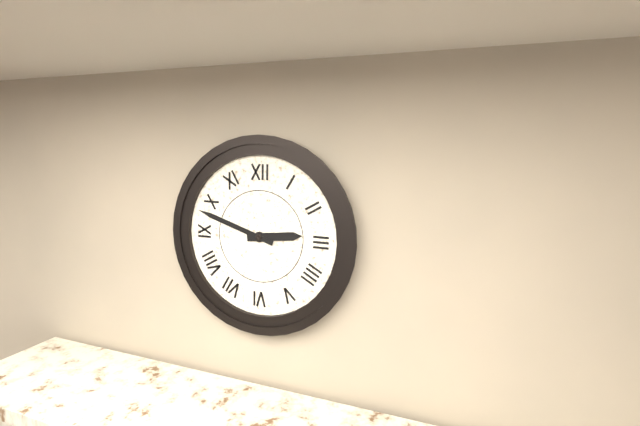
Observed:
2:48
